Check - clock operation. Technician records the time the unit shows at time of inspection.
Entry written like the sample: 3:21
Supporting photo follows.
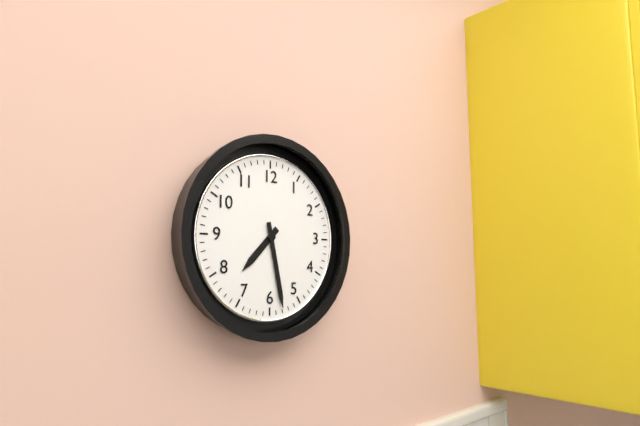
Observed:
7:28
